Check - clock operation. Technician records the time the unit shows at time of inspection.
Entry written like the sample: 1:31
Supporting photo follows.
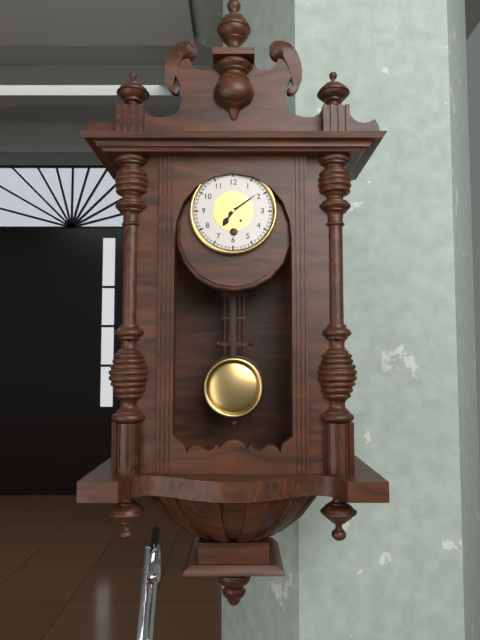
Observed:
7:09
